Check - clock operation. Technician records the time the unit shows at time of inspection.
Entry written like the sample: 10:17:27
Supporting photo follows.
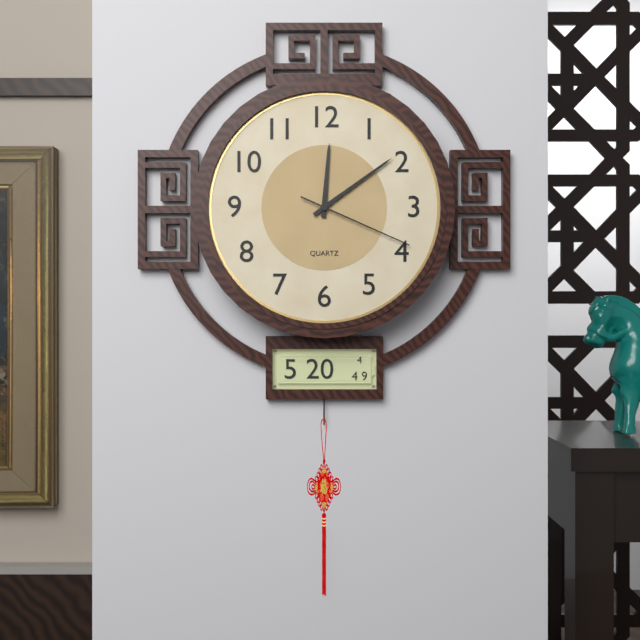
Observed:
12:09:19
